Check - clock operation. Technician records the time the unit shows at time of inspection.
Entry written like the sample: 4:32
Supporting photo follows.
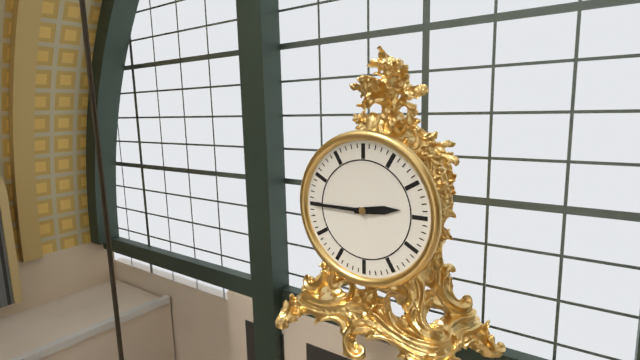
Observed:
2:45
